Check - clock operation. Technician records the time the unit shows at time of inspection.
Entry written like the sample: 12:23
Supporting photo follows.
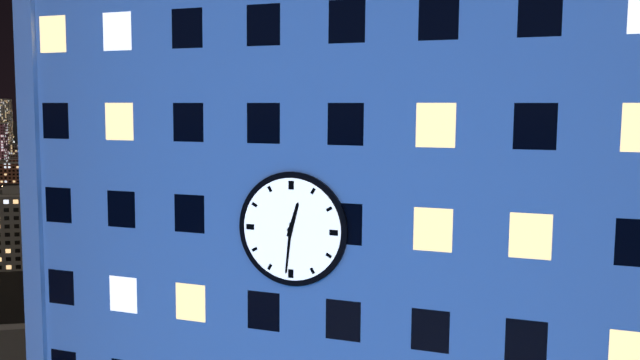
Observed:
12:31
